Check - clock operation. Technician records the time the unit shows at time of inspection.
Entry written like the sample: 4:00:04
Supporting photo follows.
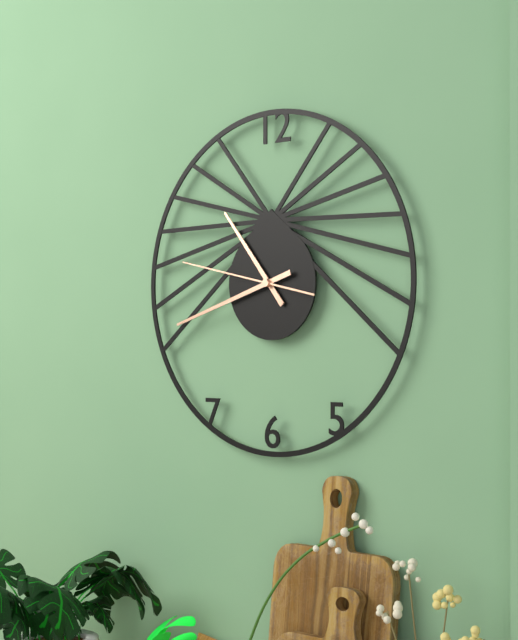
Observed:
10:42:47
